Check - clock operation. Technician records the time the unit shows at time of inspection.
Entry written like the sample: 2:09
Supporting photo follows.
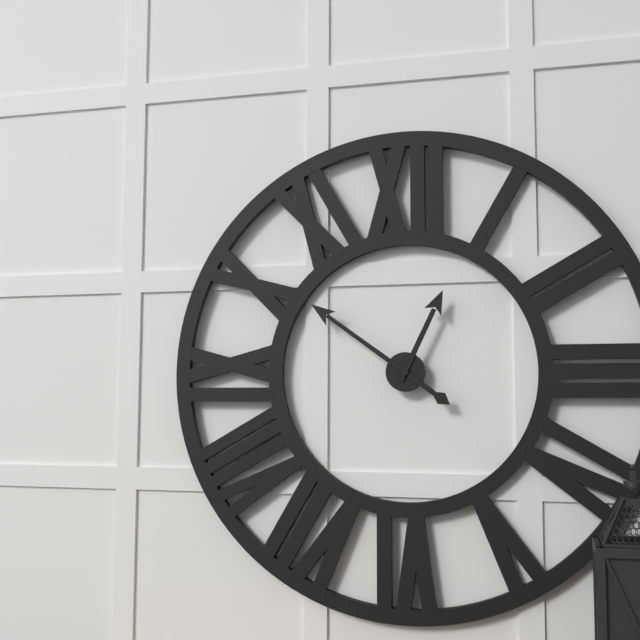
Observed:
12:51
